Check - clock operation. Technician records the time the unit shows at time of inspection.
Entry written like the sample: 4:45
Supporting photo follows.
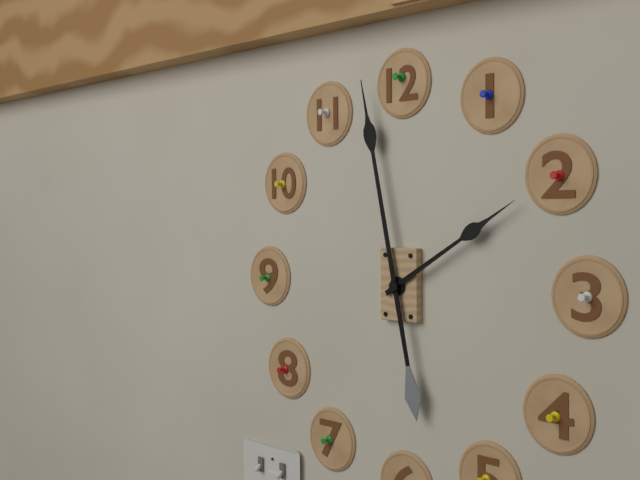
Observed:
1:58
